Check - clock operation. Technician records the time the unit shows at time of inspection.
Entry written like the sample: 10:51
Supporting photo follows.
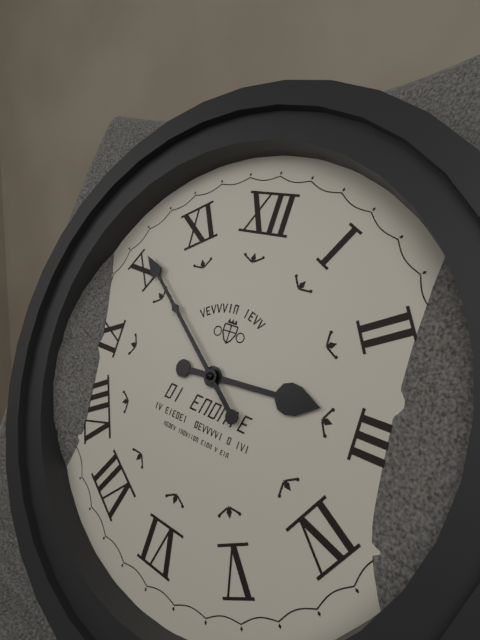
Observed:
2:51
